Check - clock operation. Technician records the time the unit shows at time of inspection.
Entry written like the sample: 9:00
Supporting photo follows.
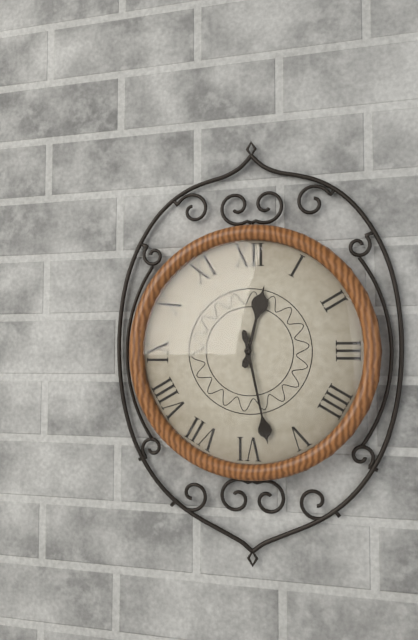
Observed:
12:28
